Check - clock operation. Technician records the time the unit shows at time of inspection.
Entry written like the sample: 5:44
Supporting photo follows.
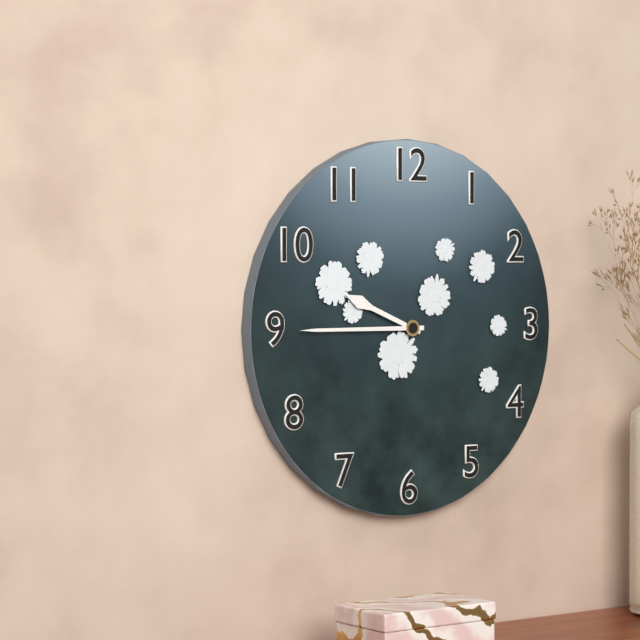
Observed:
9:45
